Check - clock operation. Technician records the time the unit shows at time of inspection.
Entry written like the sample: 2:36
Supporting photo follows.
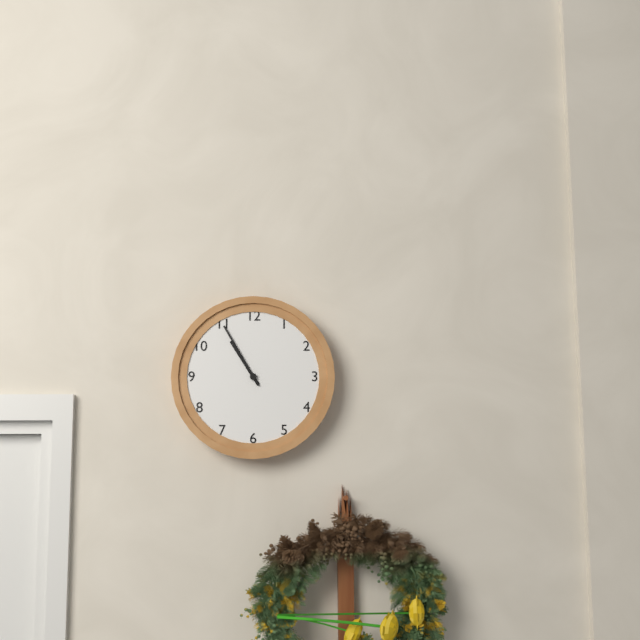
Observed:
10:55
